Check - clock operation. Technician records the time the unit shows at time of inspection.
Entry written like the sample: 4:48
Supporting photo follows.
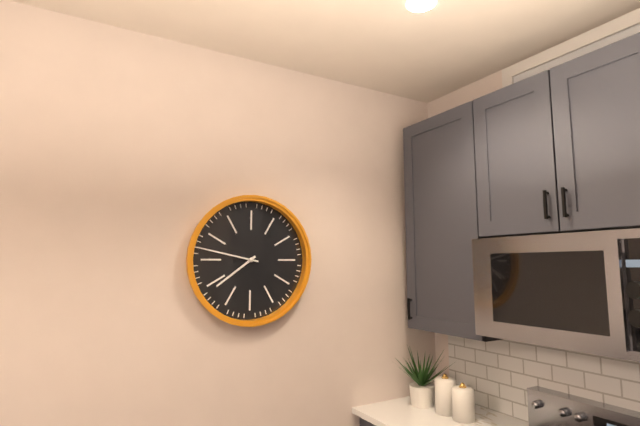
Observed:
7:47
